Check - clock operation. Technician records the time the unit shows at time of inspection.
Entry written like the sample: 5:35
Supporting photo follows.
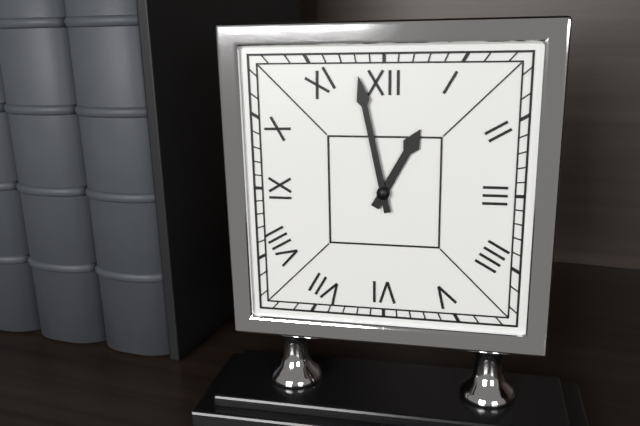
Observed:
12:58
